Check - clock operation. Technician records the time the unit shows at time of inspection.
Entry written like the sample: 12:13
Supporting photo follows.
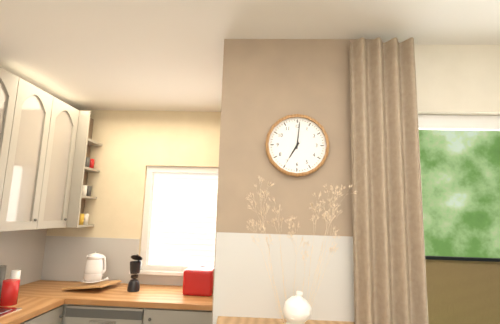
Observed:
7:01
